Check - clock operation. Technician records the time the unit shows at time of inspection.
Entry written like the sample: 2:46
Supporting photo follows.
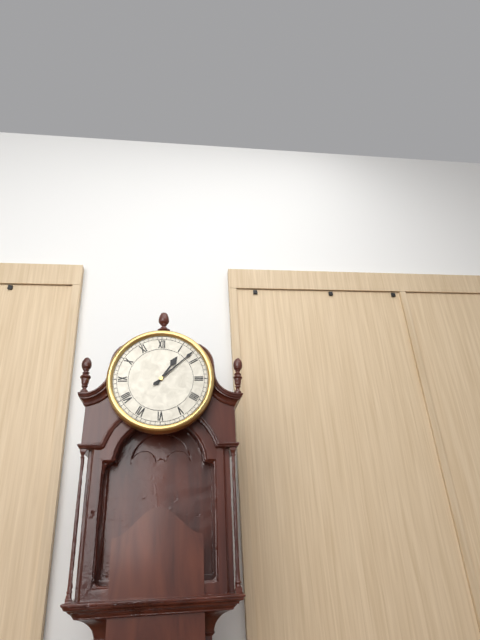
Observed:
1:08
